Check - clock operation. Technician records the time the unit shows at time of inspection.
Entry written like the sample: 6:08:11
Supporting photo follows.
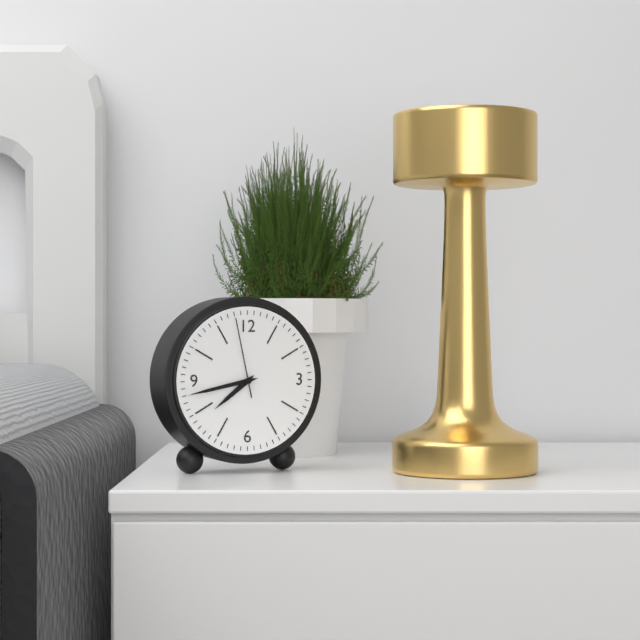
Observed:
7:43:58
